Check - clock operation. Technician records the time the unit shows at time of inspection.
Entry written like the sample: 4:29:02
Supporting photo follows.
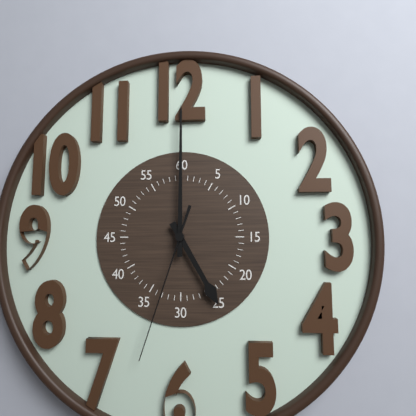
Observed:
5:00:33
